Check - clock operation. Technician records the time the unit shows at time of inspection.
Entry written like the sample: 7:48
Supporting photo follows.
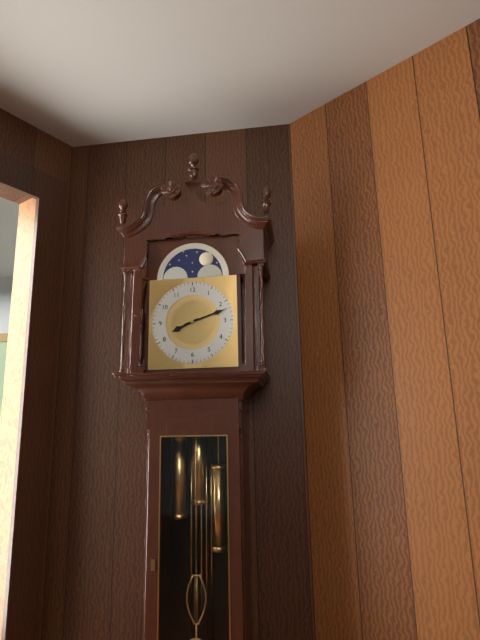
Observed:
8:12
